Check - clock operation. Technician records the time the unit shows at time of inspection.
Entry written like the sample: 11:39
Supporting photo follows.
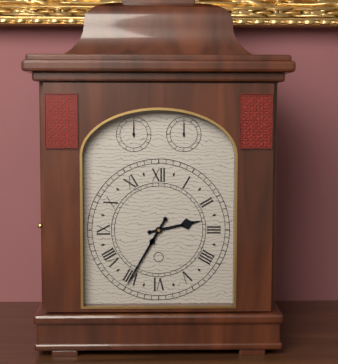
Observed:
2:35
